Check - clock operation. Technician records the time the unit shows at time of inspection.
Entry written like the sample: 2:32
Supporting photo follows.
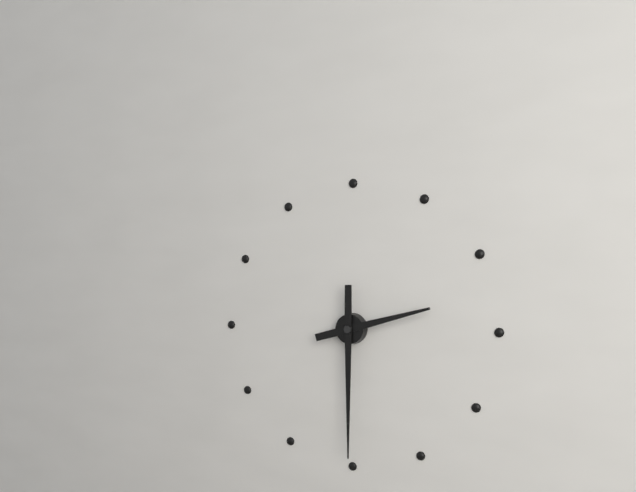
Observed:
2:30
